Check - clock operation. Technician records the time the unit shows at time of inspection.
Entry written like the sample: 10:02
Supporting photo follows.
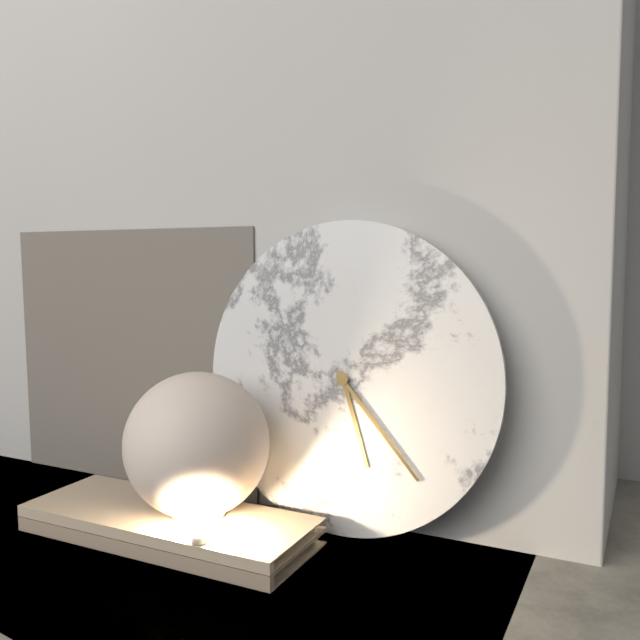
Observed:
5:23
